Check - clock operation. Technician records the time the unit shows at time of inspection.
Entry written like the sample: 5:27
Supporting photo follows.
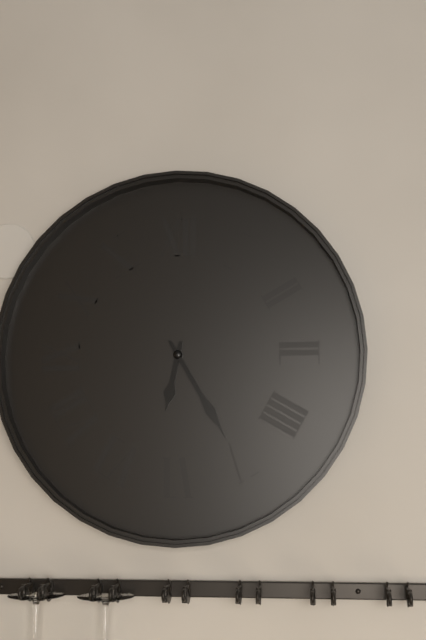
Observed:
6:25
